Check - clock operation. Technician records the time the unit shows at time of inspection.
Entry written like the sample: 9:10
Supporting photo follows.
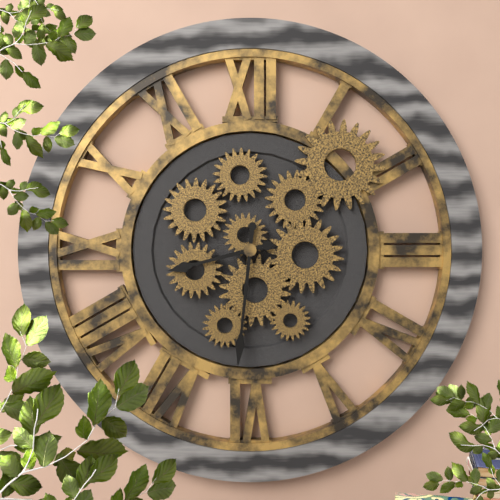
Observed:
8:31
